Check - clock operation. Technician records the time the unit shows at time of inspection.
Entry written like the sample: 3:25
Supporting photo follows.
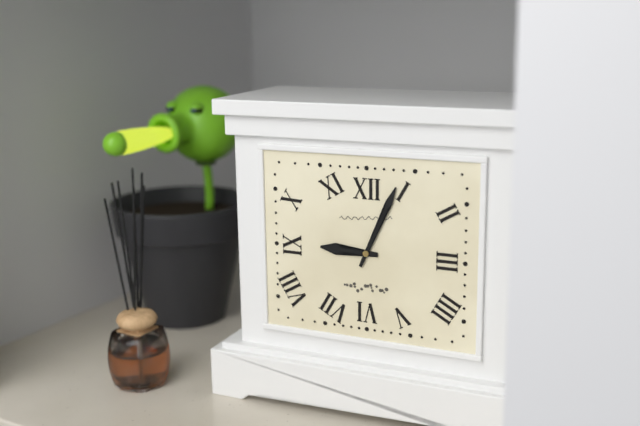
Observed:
9:04
